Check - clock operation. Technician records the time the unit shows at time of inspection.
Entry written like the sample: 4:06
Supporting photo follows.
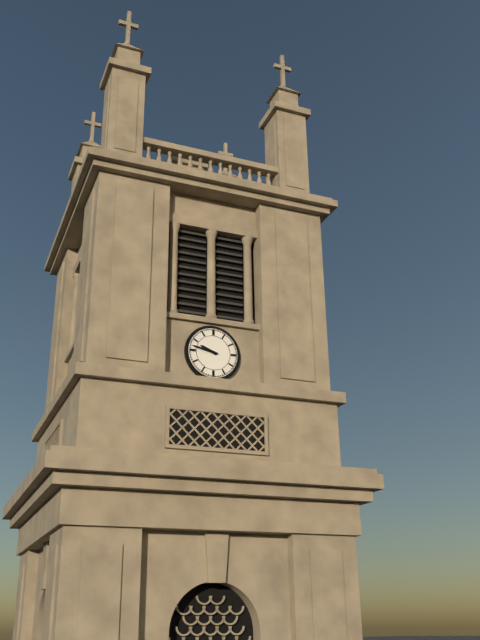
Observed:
9:47
